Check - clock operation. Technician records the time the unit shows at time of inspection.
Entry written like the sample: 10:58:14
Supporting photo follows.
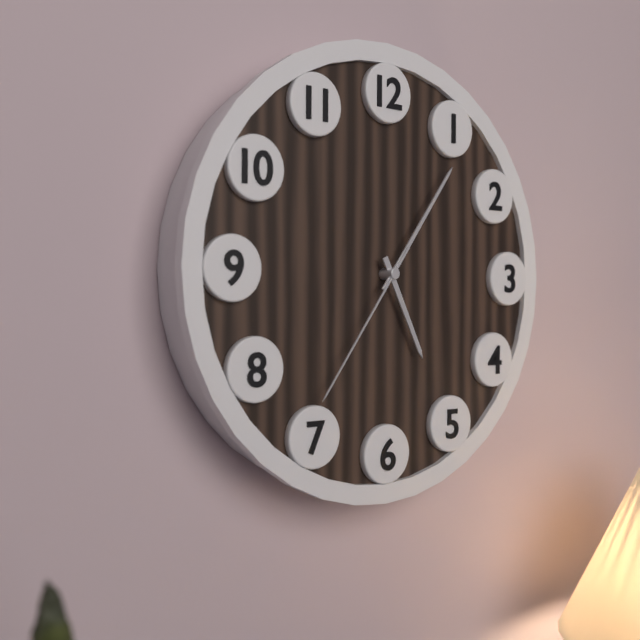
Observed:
5:06:36
